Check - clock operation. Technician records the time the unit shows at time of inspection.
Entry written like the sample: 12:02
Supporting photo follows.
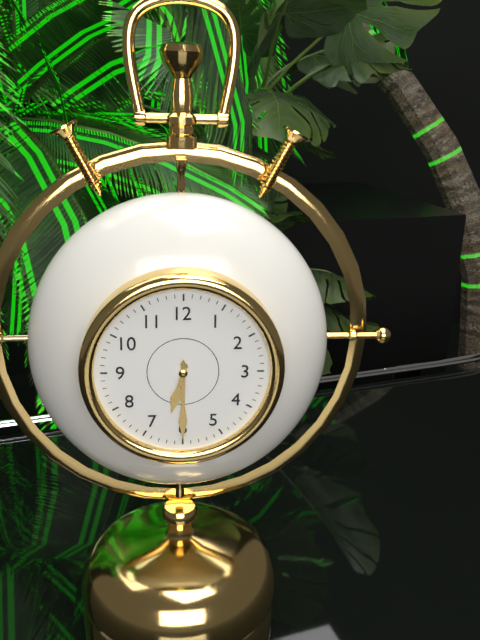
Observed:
6:30
